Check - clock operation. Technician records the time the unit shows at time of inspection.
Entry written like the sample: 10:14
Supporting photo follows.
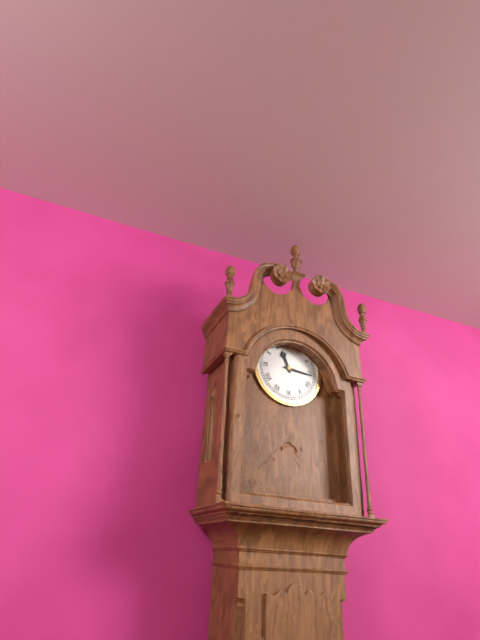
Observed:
11:16
